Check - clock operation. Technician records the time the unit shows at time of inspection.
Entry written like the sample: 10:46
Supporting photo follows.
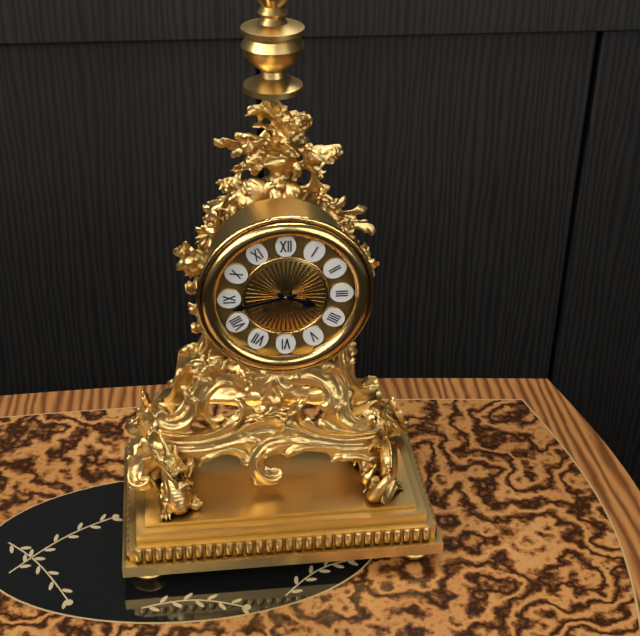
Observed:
3:43
